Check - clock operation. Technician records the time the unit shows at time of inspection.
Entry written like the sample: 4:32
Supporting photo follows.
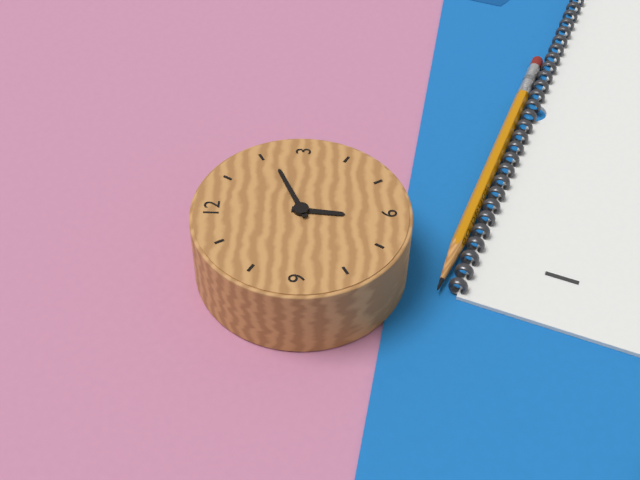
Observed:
6:11
